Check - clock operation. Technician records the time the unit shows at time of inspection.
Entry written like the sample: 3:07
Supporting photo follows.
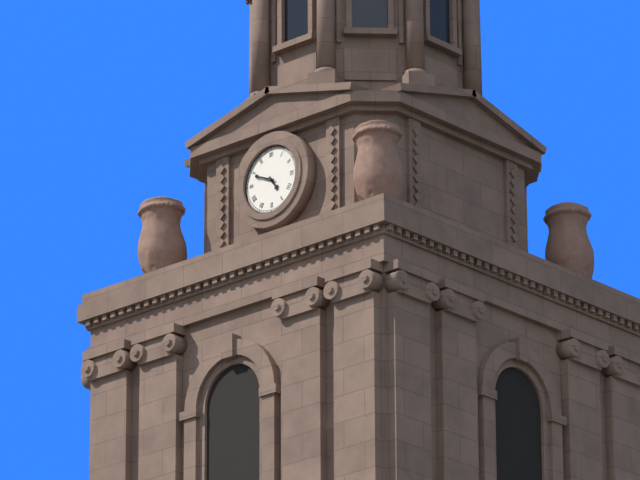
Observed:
4:49
